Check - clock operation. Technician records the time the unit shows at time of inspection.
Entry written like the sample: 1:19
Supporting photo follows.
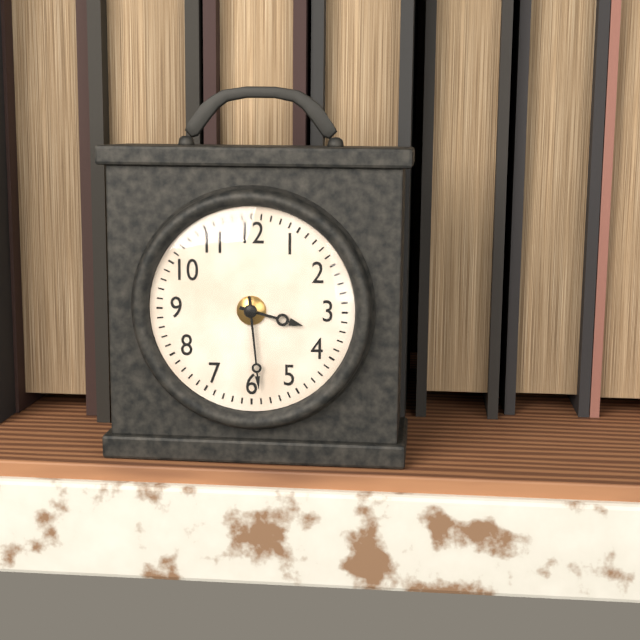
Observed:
3:29
